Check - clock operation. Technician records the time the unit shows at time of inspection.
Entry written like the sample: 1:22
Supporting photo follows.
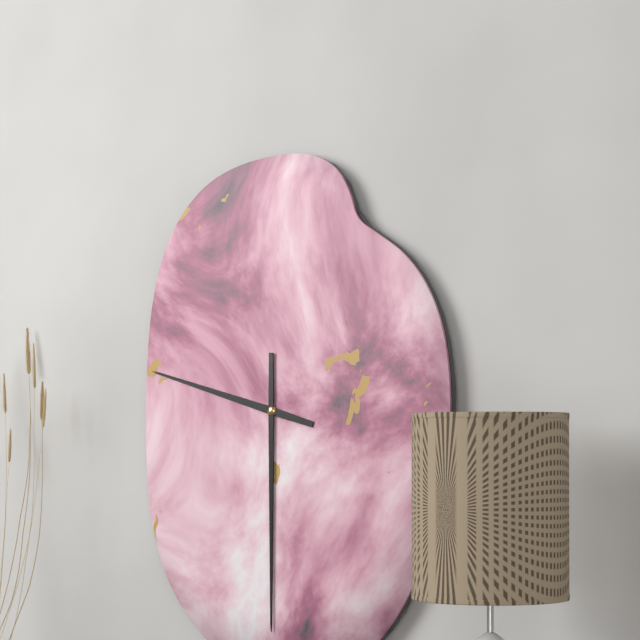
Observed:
9:30
